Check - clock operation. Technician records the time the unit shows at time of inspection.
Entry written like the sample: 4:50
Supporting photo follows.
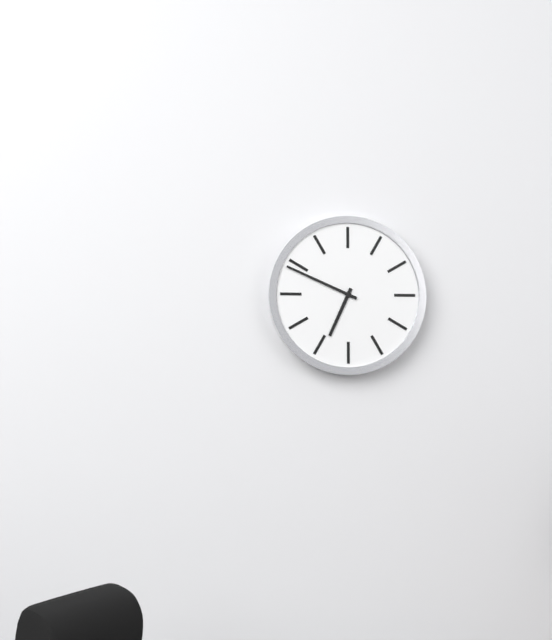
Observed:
6:49
